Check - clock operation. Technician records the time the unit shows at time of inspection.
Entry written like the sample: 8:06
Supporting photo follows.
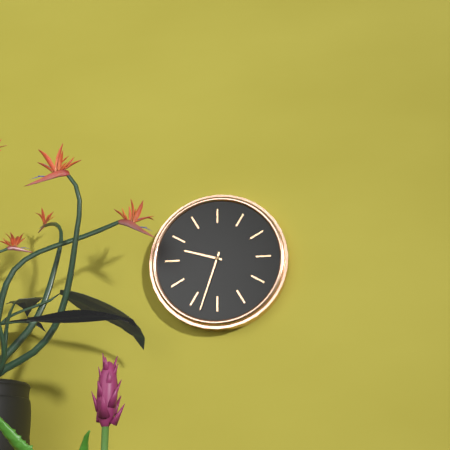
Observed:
9:33
